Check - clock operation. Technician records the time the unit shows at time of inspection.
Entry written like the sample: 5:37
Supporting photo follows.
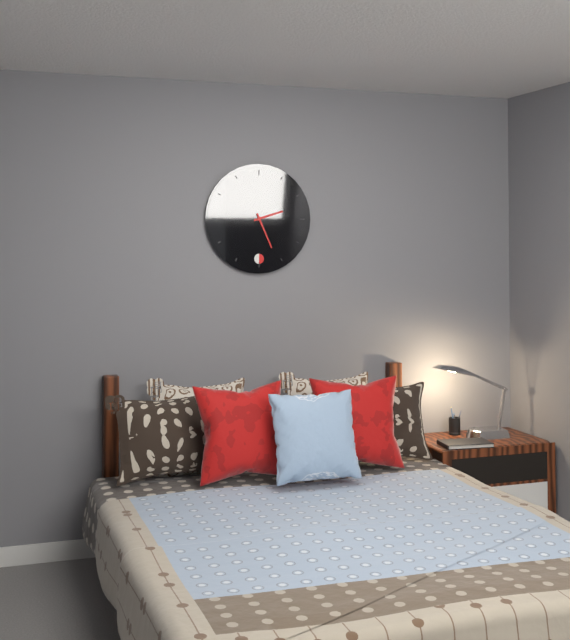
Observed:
2:26
